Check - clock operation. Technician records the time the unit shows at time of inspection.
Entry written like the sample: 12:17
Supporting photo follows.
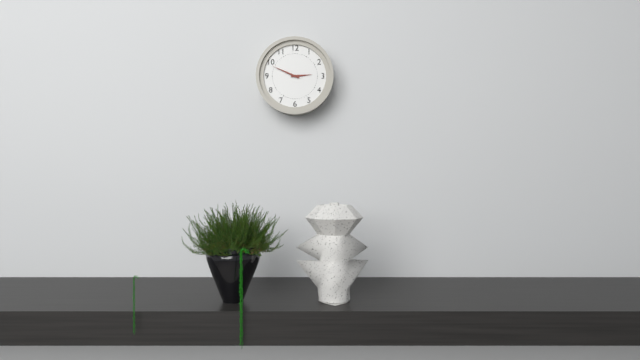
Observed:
2:49
